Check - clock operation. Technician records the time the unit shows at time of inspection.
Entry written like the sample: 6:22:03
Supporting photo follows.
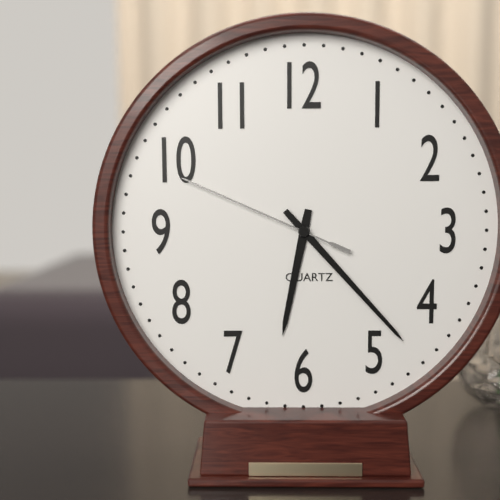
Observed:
6:23:49
